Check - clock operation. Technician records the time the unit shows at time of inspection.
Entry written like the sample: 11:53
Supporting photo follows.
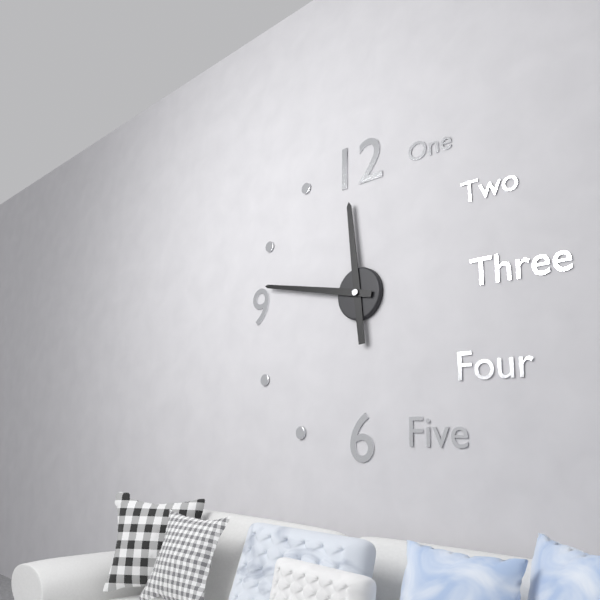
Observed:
11:47
